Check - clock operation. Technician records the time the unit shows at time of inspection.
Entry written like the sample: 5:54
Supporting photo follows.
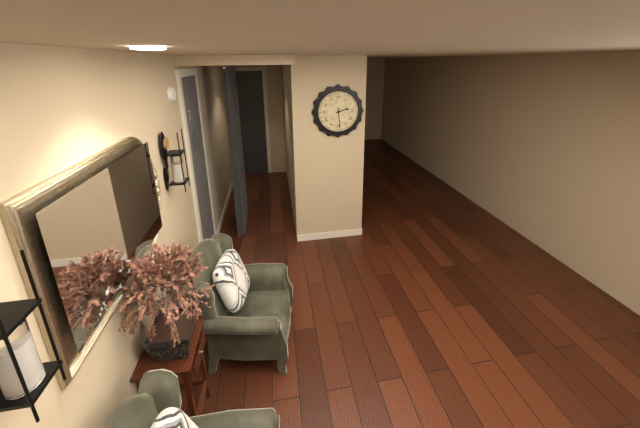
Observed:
2:29
